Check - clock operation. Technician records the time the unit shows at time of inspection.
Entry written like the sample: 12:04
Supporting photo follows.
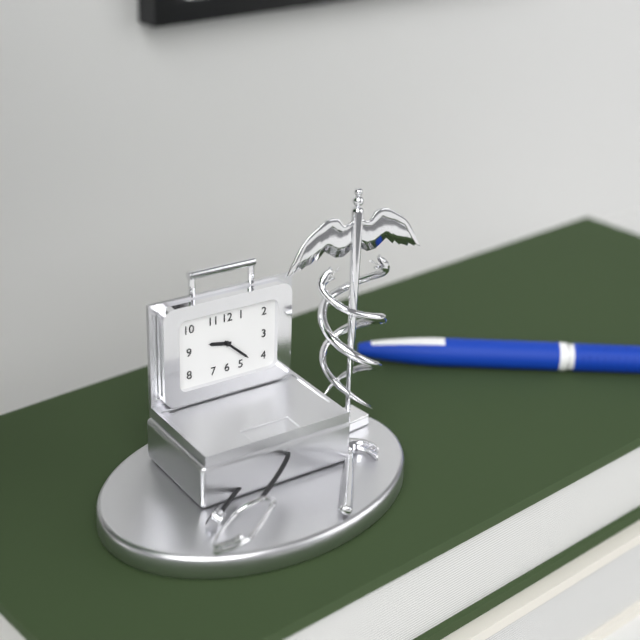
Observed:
9:22
